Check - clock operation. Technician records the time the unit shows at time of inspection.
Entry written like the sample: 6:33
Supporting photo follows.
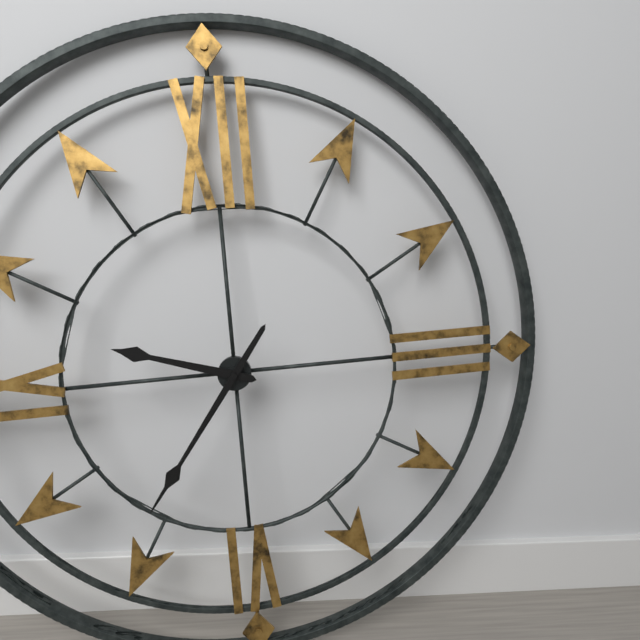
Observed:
9:36
